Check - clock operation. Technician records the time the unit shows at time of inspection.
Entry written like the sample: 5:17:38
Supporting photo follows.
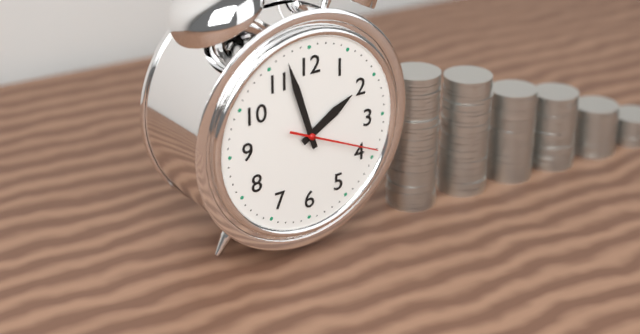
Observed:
1:57:19
